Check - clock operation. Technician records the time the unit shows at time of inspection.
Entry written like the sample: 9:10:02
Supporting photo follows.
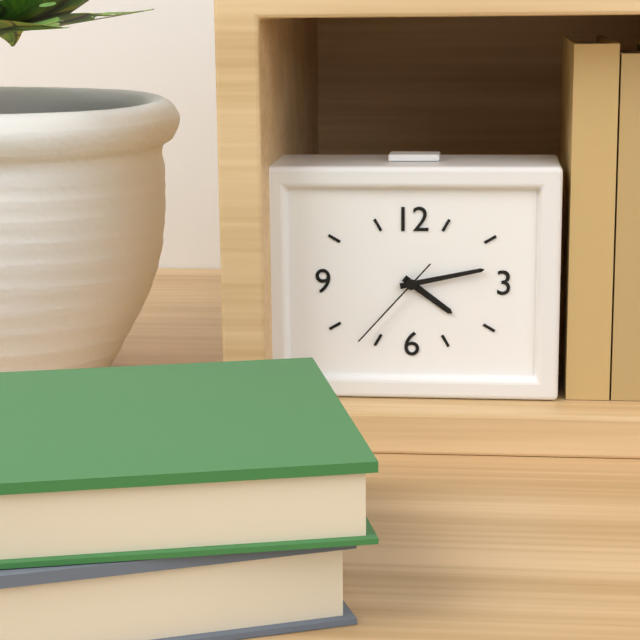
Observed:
4:13:37
